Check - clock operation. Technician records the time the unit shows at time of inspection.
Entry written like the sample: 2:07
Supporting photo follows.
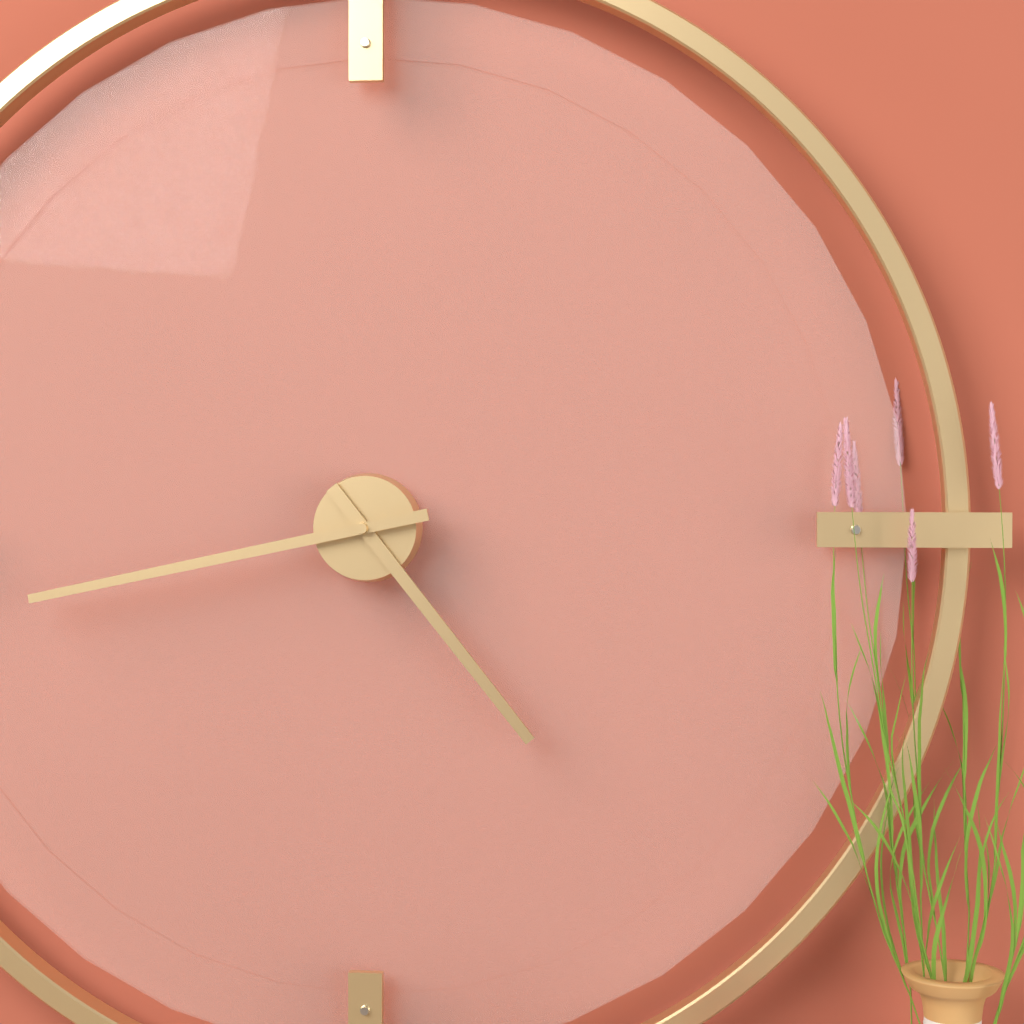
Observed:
4:43
